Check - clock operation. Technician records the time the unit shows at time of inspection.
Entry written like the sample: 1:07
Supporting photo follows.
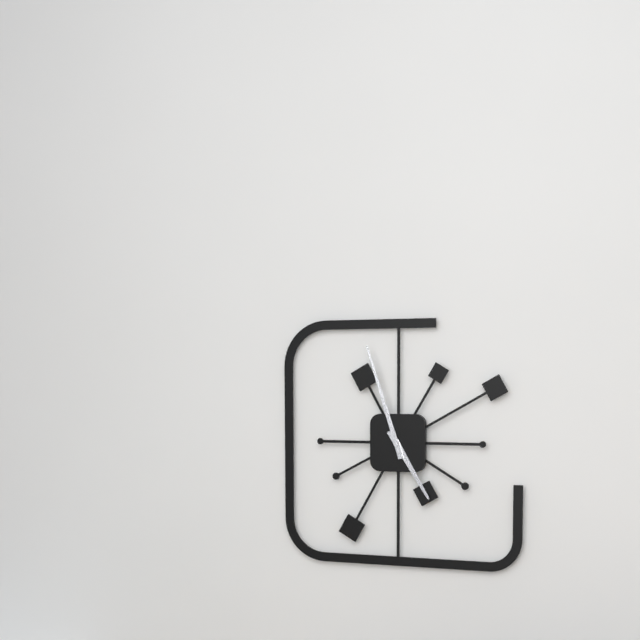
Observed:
4:57
